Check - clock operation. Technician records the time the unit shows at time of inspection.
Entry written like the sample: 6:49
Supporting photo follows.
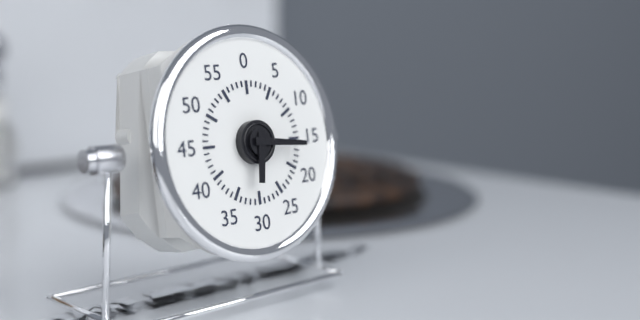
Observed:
6:16
